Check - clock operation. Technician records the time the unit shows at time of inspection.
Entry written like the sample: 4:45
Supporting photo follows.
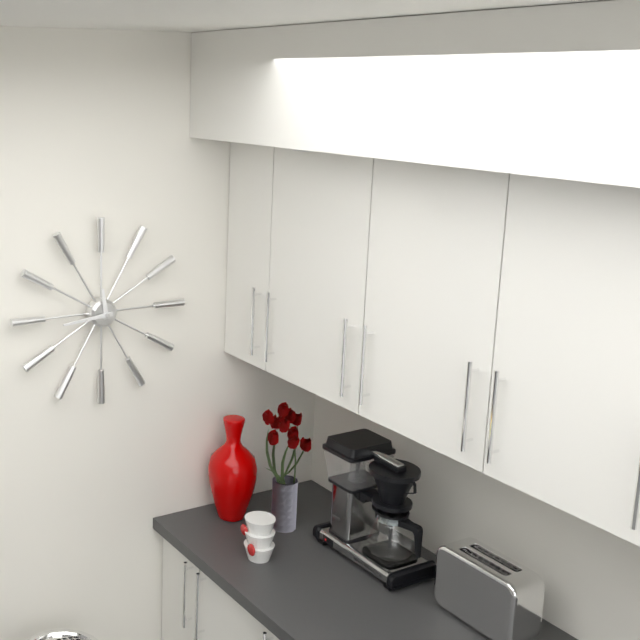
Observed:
11:44
